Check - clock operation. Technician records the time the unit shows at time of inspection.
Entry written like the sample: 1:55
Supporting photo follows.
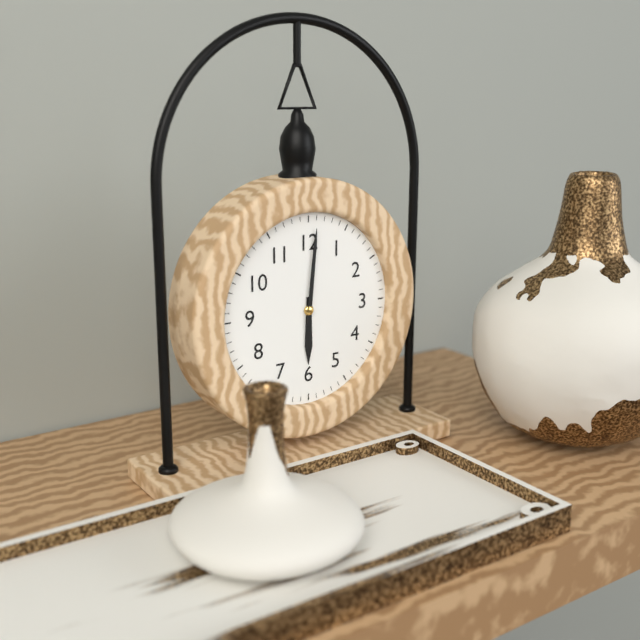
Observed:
6:01
